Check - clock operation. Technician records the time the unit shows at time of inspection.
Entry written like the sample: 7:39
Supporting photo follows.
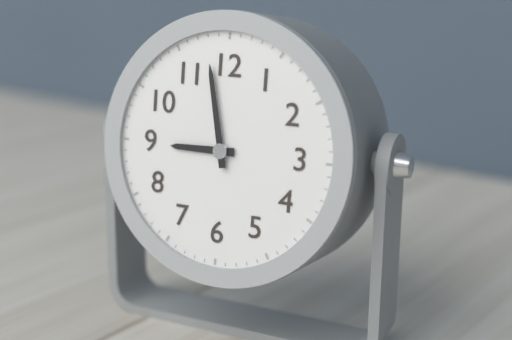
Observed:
8:58
